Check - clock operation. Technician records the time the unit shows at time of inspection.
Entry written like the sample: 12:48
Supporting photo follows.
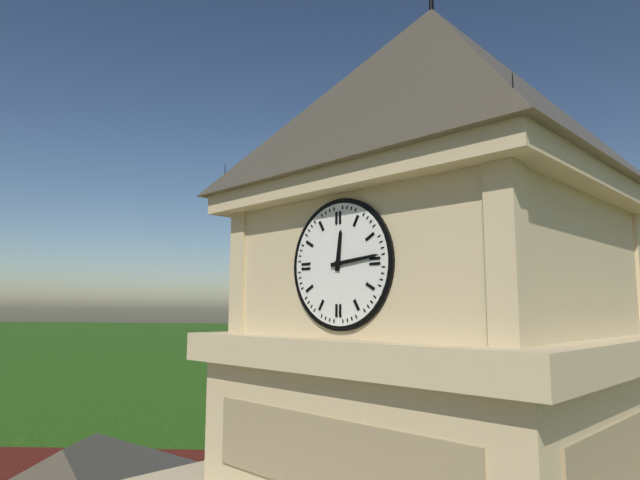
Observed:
12:14
